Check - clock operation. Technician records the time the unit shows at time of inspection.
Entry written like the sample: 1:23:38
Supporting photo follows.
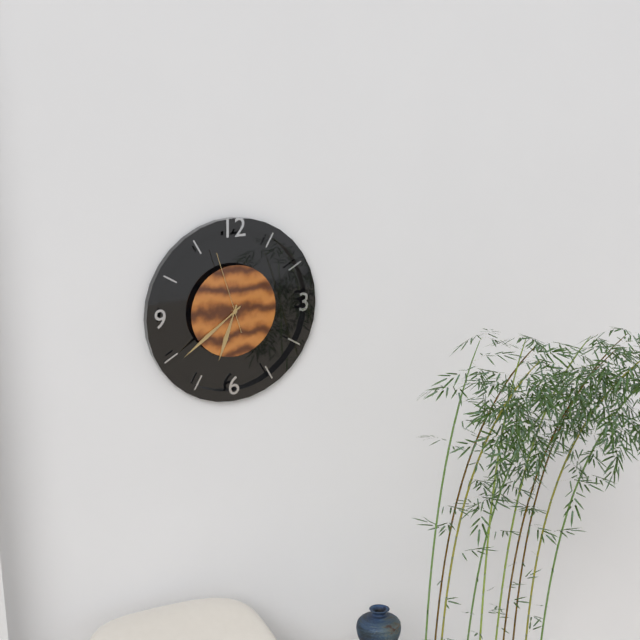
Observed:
6:39:57
